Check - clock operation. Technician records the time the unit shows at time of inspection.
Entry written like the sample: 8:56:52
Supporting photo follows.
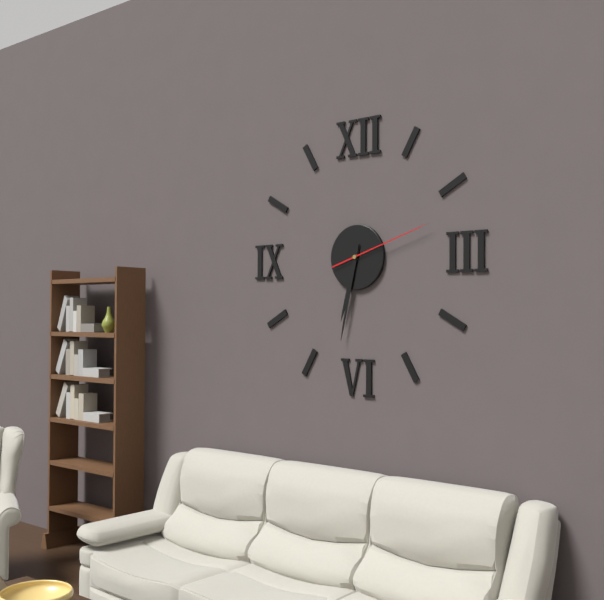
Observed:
6:32:12
